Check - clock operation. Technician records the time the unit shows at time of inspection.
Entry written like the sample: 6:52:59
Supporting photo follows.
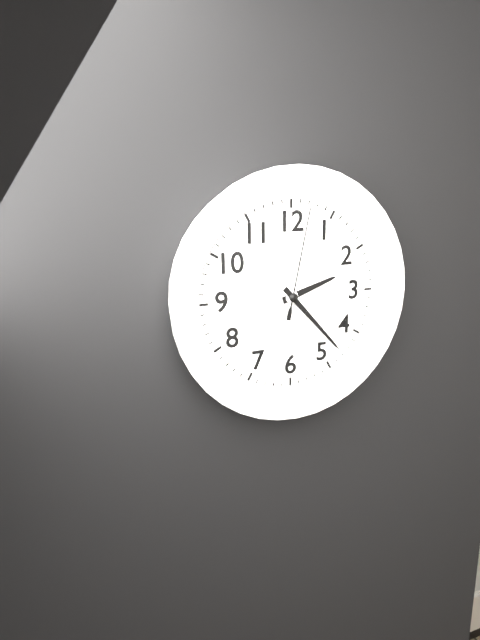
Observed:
2:23:02
